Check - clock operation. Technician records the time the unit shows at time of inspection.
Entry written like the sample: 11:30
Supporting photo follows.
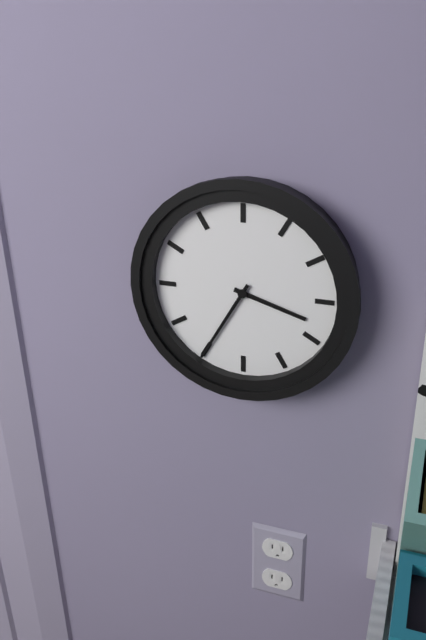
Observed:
3:35
